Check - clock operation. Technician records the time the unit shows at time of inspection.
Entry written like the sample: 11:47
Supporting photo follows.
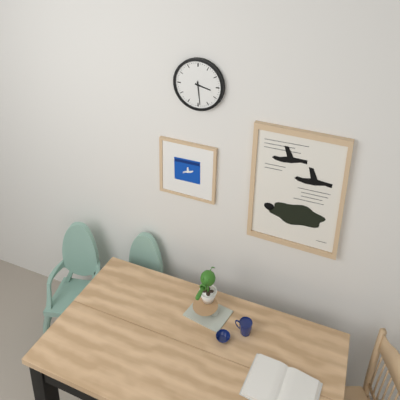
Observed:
3:29
